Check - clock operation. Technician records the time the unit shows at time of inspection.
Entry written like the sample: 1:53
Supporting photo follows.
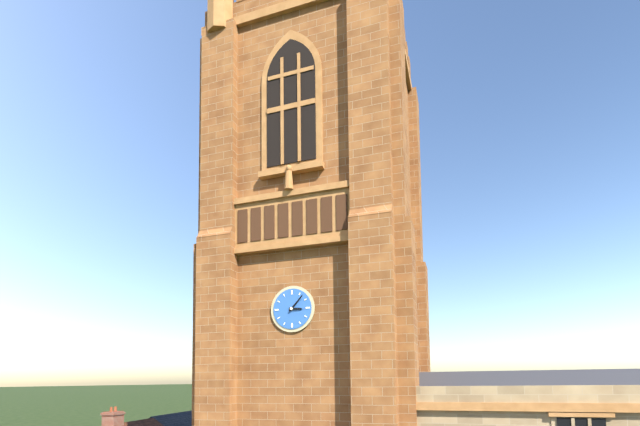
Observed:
3:07
